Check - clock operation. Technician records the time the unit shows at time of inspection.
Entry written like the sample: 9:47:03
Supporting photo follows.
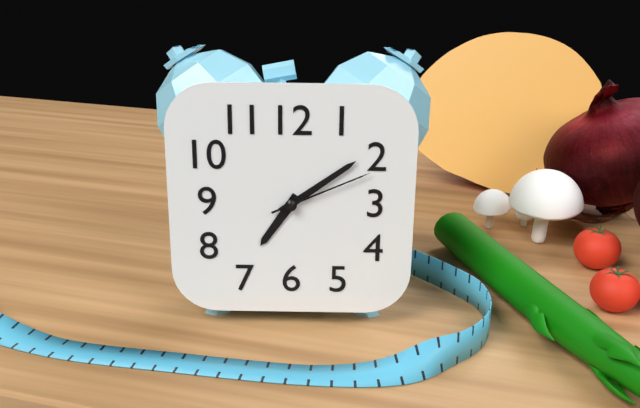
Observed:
7:09:11
